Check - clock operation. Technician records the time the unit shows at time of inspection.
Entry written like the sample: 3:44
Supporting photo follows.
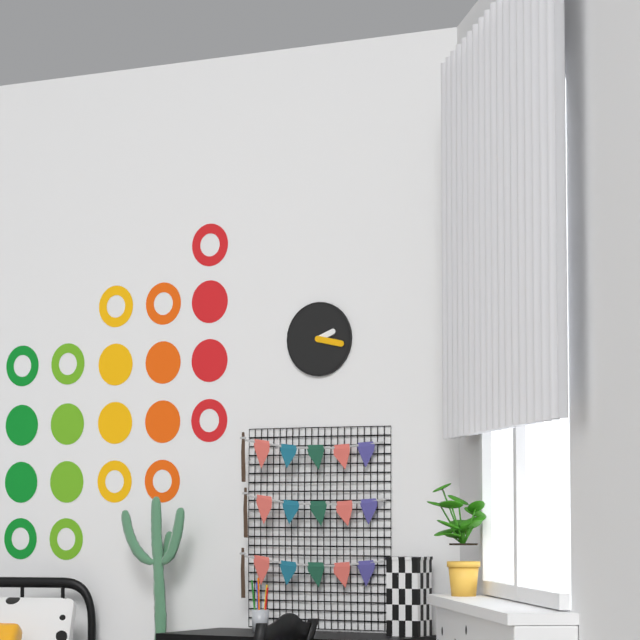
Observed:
2:17
